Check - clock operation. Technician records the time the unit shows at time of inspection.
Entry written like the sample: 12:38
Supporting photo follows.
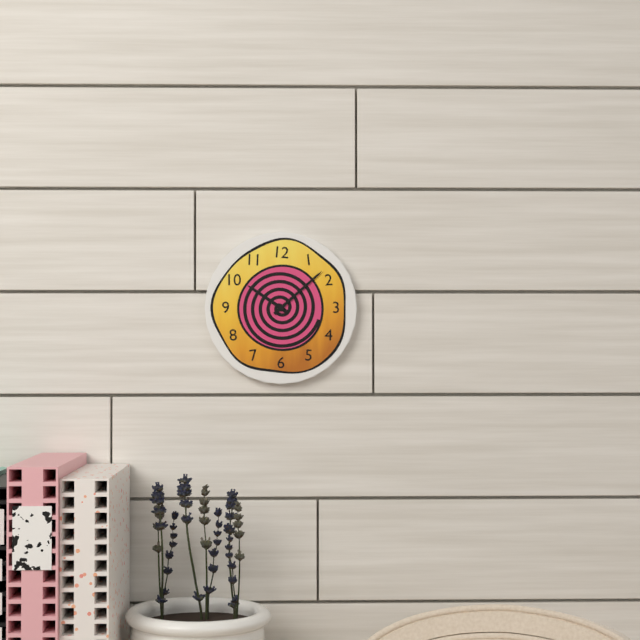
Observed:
10:08
